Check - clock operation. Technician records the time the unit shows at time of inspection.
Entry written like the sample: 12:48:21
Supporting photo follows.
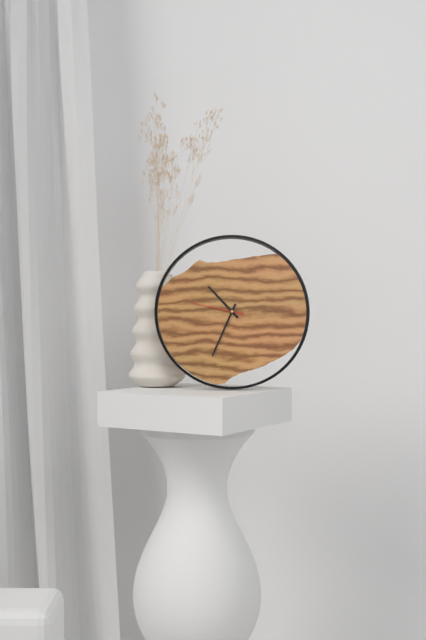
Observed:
10:34:47
